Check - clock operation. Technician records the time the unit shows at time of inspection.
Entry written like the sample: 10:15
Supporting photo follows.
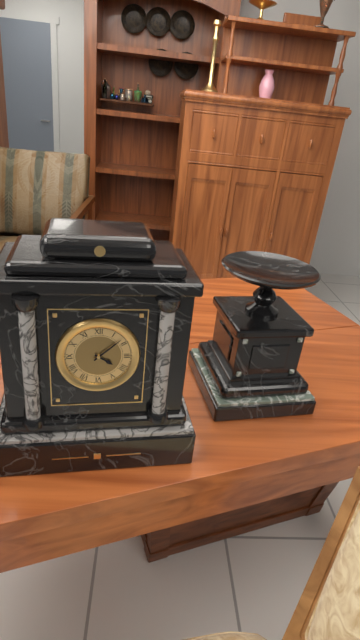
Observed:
4:08
